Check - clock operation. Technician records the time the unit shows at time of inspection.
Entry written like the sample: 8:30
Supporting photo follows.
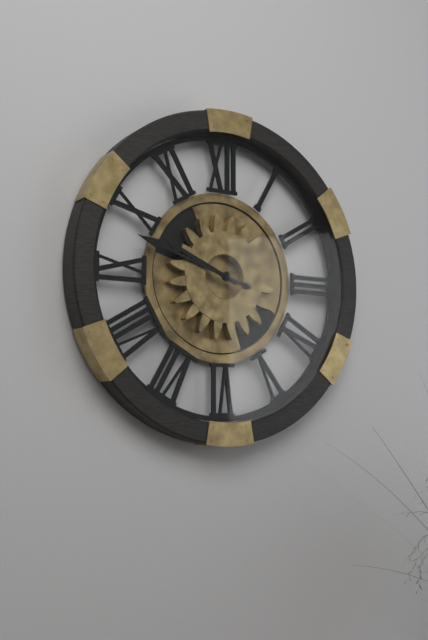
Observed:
9:48
